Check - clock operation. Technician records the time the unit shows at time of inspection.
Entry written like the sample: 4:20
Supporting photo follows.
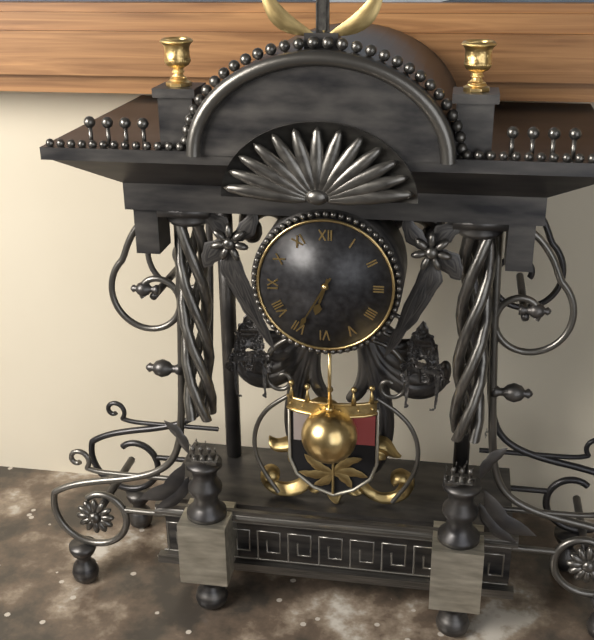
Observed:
6:35
